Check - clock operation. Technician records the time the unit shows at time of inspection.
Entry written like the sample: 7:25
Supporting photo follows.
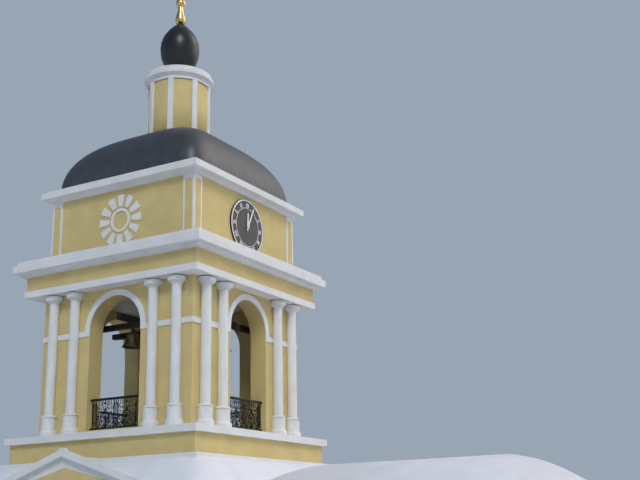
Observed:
12:04
